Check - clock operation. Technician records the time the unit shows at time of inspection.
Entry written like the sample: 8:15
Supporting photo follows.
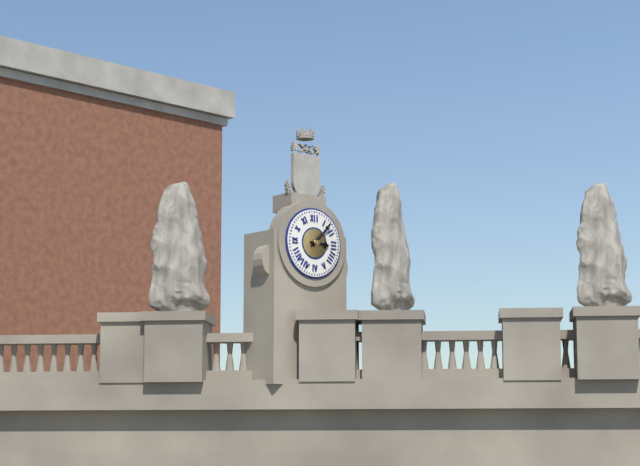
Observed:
3:07
